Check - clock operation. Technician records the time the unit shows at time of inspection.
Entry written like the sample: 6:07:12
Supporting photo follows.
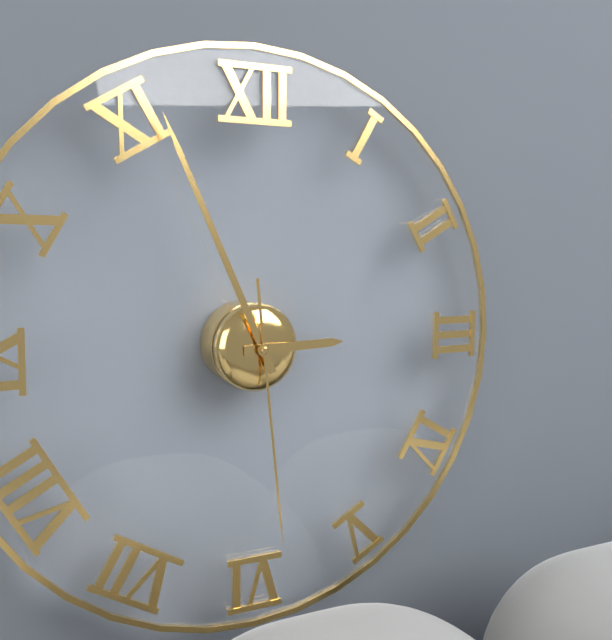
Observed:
2:56:29
